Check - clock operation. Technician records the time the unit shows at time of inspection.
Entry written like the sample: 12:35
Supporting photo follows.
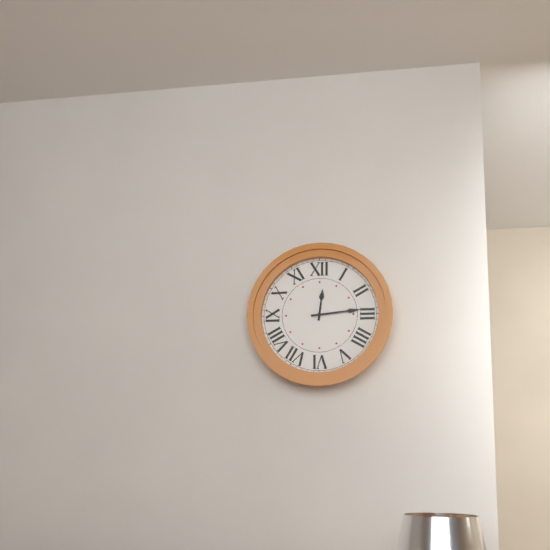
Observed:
12:14
